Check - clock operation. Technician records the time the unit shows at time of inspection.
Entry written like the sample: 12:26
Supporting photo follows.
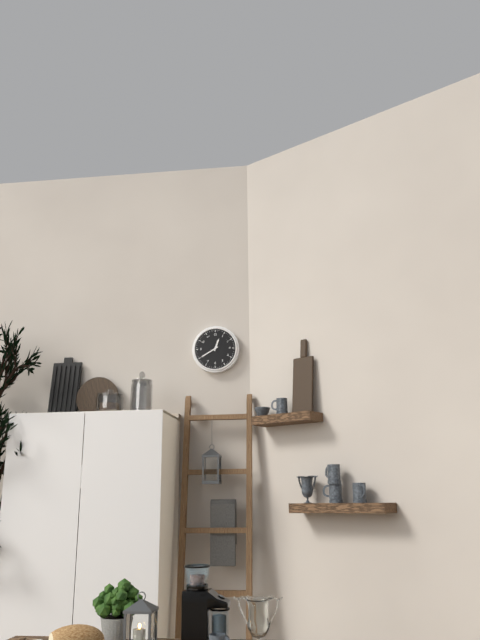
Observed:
12:40
